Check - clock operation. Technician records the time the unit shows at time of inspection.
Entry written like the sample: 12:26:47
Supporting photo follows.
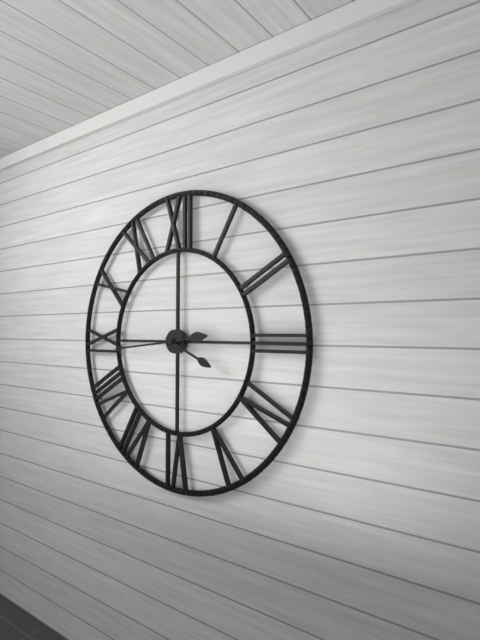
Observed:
2:44:19
